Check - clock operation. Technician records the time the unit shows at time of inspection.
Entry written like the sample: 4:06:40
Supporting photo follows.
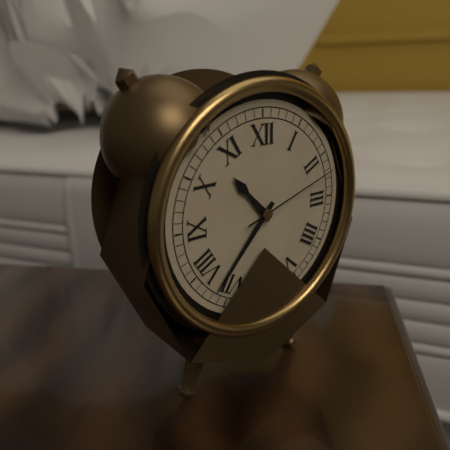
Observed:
10:37:12
